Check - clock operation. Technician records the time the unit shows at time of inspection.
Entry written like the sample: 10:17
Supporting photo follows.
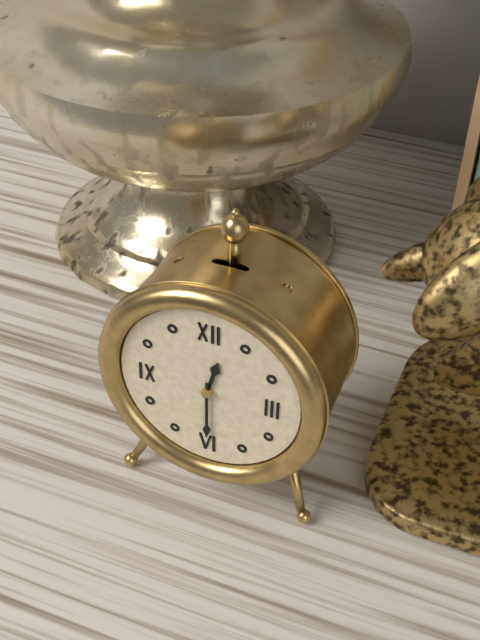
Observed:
12:30
